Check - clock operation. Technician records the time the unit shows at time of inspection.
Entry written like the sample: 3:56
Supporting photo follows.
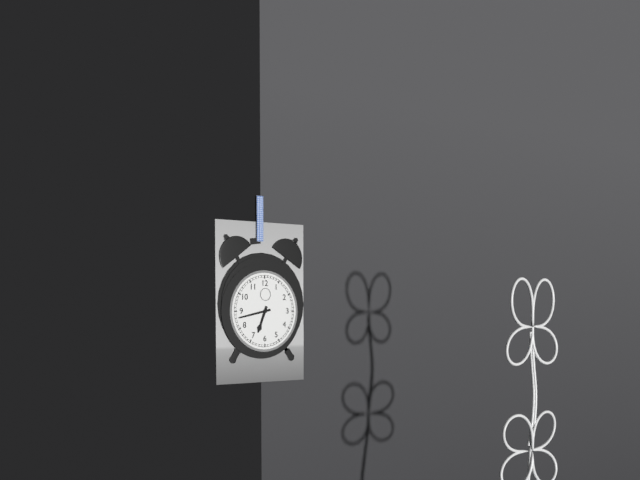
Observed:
6:43
